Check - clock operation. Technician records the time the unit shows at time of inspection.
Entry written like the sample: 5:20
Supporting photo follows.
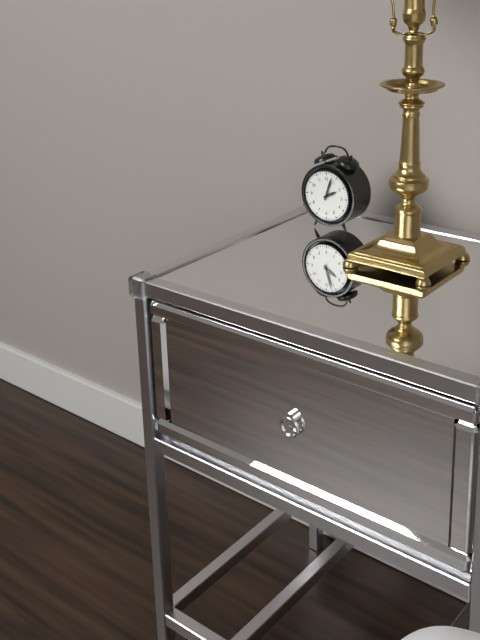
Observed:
2:03
